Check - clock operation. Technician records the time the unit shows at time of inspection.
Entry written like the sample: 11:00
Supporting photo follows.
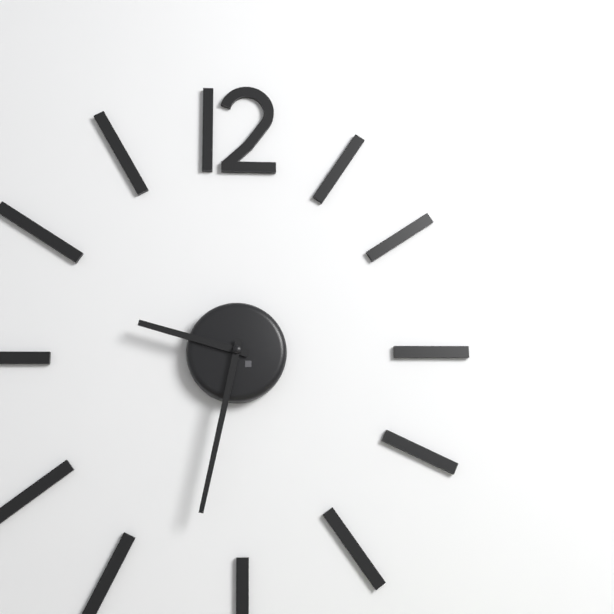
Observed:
9:32
